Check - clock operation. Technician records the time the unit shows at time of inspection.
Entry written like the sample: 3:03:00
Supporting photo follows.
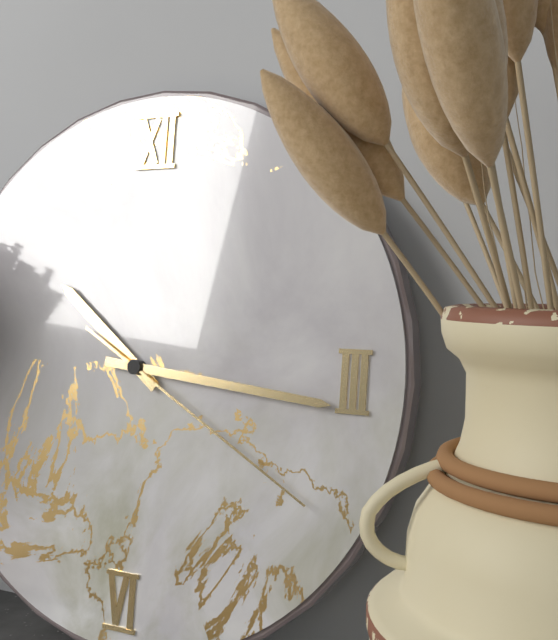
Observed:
10:16:20
